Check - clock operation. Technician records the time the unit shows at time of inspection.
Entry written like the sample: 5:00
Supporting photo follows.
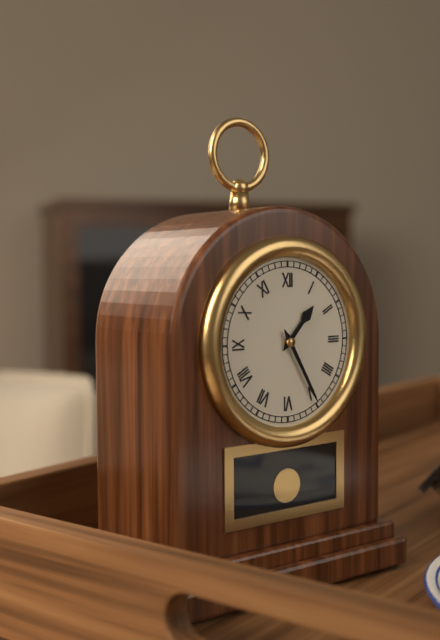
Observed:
1:25
